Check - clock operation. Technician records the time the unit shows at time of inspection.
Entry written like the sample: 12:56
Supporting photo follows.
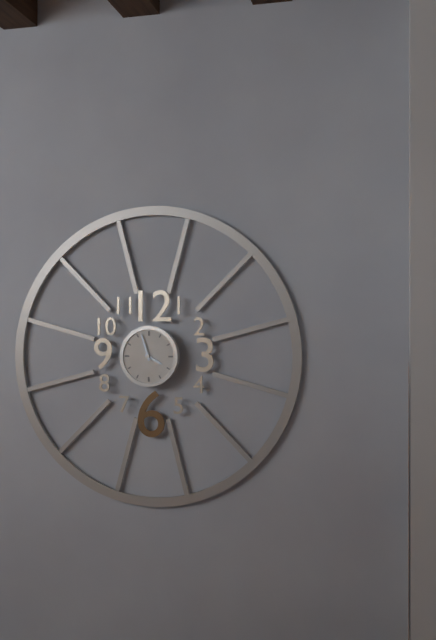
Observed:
3:57
